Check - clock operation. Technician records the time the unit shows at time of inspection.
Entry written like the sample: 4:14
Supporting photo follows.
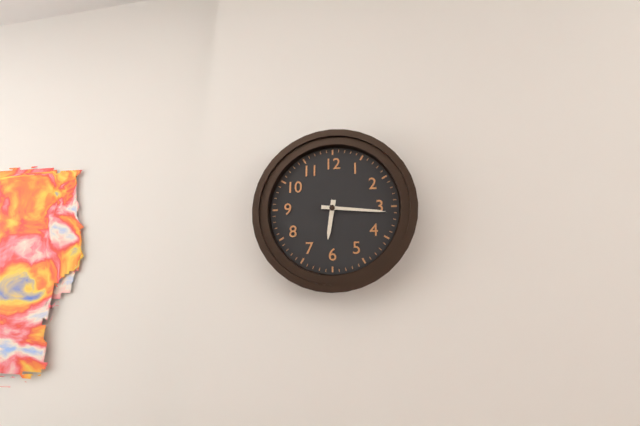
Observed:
6:16
